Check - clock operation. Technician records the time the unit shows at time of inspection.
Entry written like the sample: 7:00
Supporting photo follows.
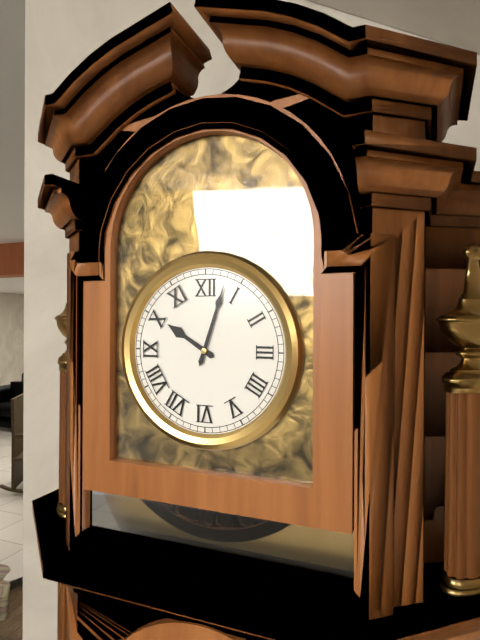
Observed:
10:03
